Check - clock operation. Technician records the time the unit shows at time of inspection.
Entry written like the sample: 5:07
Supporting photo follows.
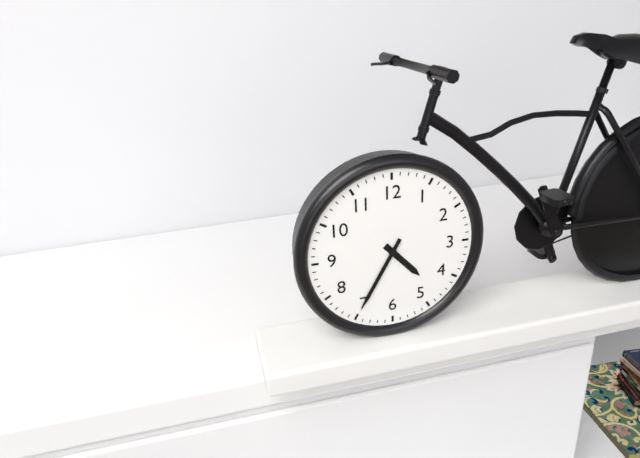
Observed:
4:35
